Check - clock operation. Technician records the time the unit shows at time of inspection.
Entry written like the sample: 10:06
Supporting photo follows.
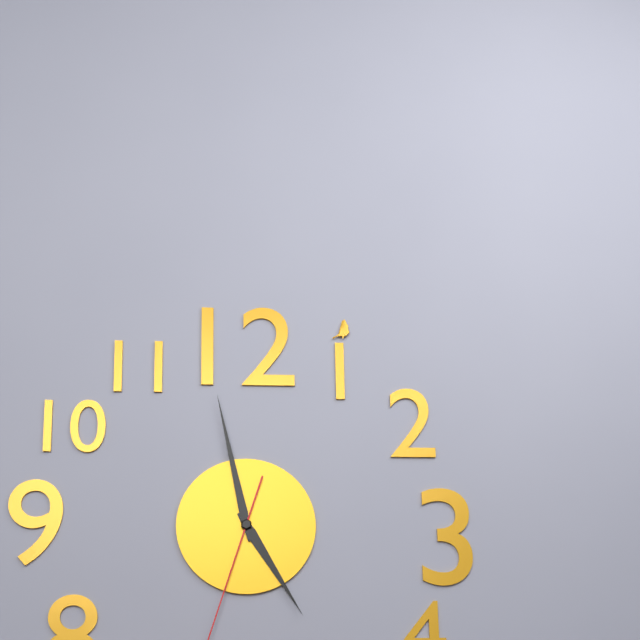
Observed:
4:58
